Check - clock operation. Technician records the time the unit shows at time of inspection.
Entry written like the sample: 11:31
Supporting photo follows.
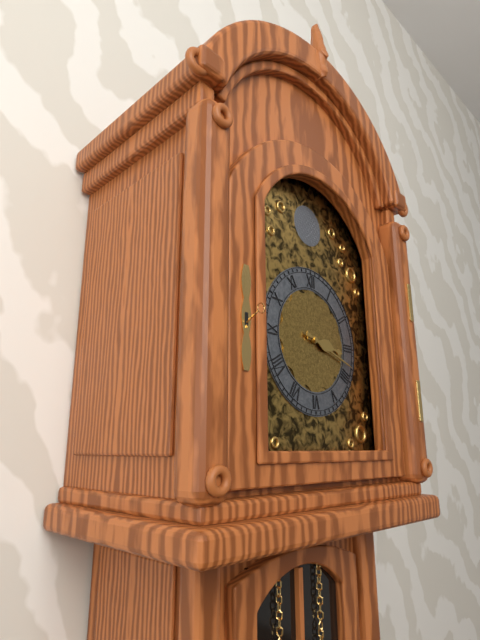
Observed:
3:18
